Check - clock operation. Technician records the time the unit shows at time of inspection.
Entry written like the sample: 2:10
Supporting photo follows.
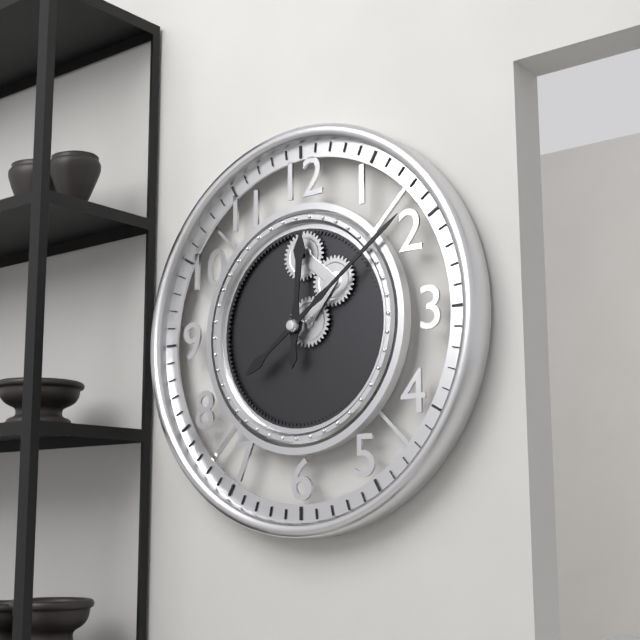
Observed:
12:09
